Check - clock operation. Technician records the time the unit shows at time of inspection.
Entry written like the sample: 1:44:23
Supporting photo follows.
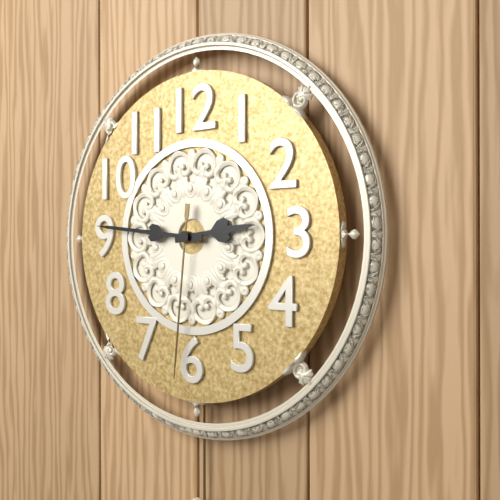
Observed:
2:46:31
